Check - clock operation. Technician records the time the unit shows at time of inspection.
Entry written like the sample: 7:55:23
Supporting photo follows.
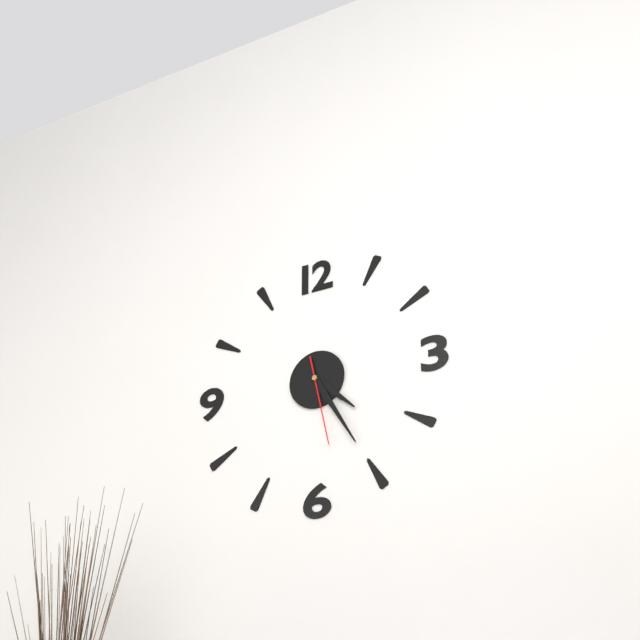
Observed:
4:25:28
